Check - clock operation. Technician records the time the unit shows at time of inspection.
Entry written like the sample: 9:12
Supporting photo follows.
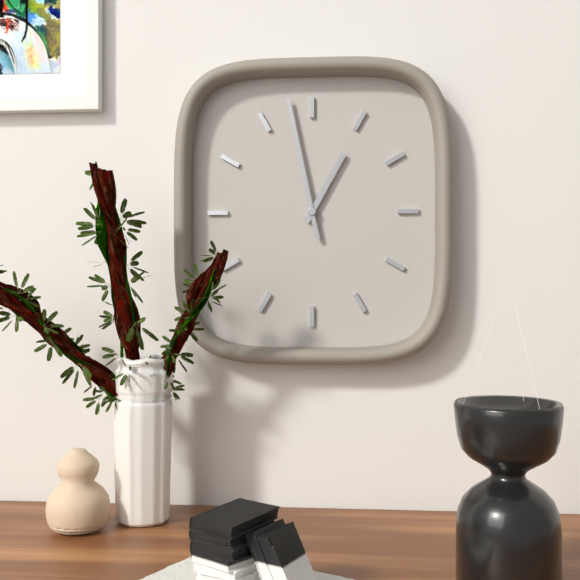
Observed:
12:58
